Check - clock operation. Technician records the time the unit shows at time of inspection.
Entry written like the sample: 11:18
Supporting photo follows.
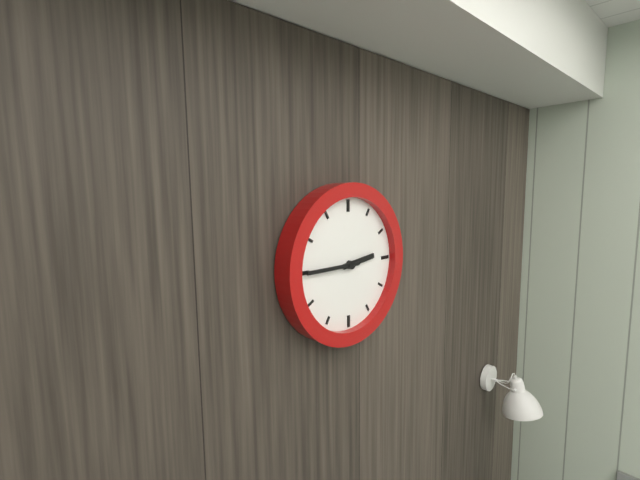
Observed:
2:45
